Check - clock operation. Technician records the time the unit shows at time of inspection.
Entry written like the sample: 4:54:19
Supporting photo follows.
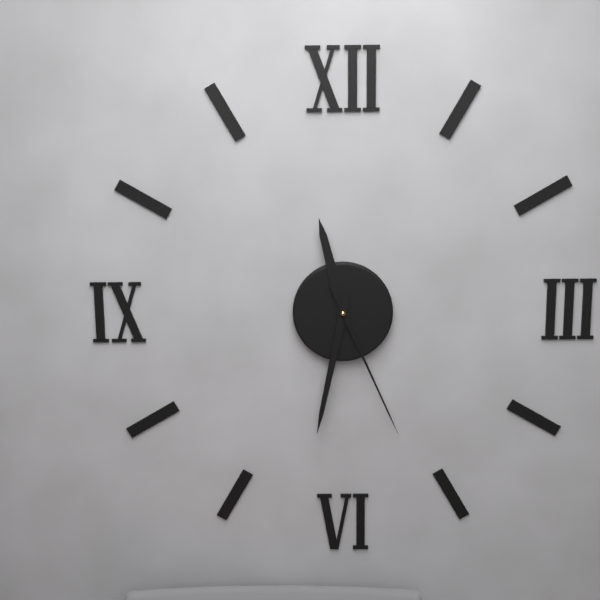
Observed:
11:32:26
